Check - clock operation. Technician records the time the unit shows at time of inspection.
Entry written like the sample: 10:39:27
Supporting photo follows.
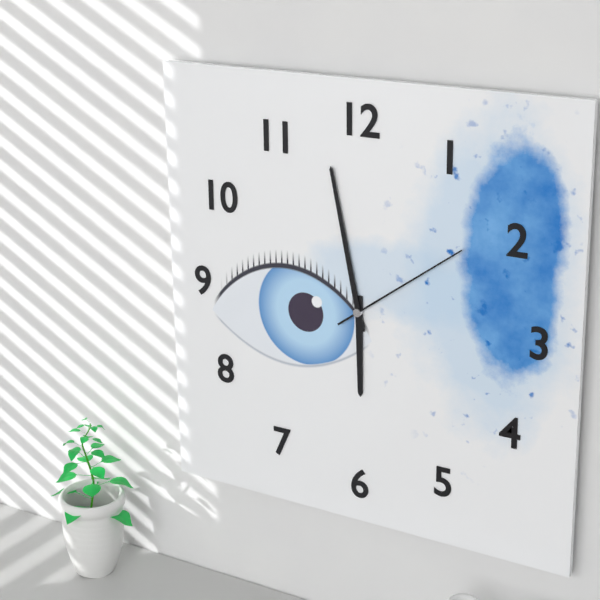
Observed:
5:58:09
